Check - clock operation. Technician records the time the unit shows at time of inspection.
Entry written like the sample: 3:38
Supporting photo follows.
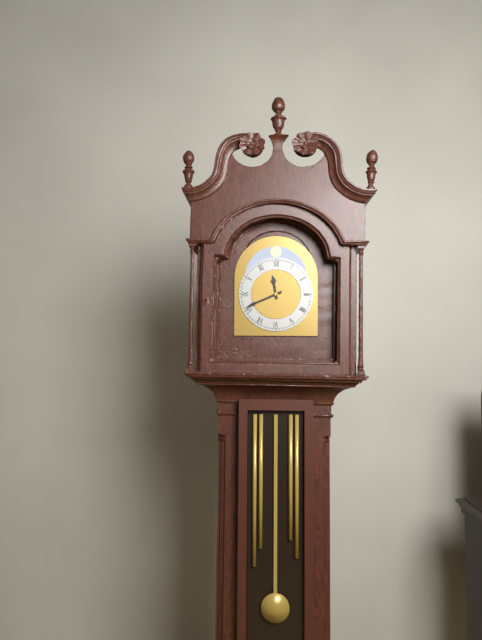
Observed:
11:41
